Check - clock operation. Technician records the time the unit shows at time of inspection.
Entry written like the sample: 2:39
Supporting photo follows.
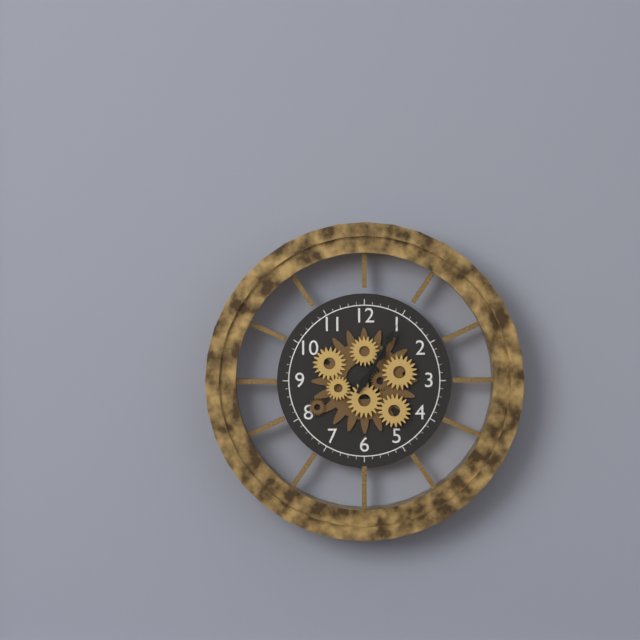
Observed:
1:05
